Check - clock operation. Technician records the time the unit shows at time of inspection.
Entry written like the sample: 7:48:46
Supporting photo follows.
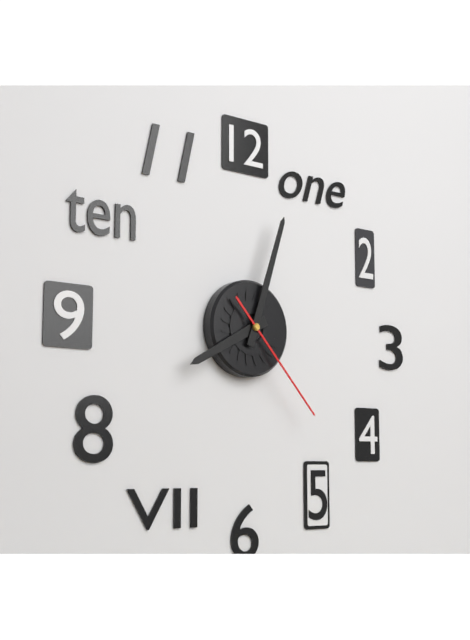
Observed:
8:03:23
